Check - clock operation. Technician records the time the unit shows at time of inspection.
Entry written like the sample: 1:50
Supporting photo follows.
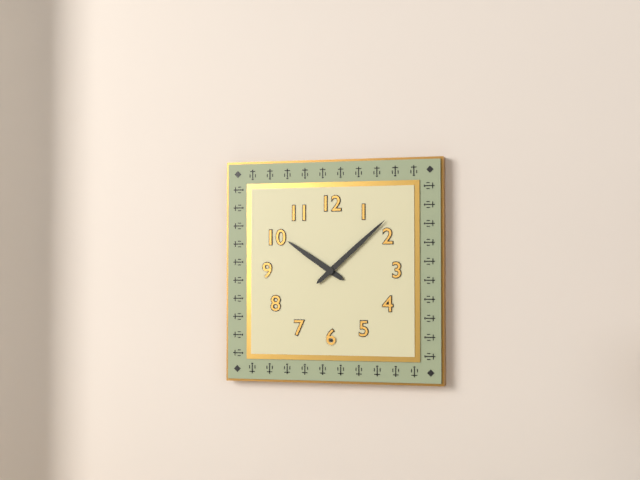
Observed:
10:08
